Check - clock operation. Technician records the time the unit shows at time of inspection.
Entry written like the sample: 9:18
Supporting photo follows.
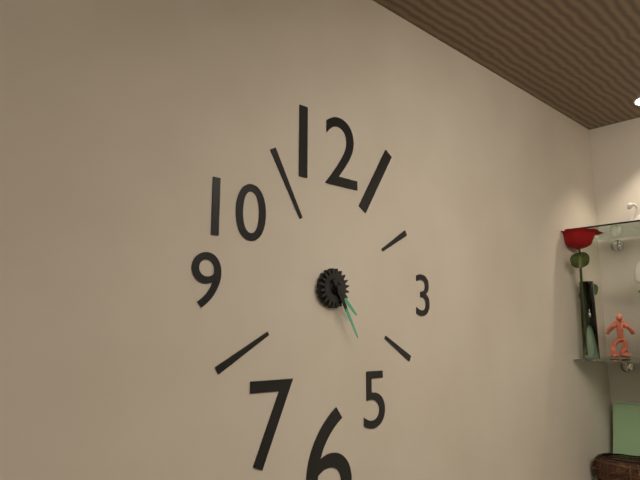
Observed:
4:25
